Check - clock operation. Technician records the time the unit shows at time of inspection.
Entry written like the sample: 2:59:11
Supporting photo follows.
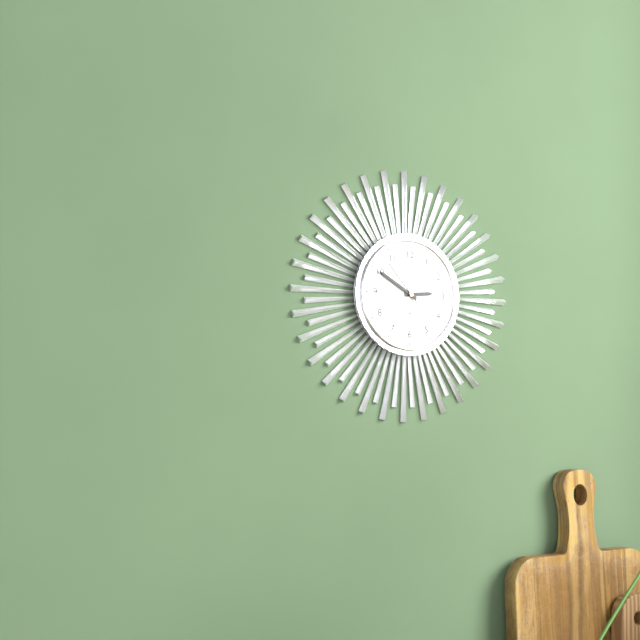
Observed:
2:50:53
